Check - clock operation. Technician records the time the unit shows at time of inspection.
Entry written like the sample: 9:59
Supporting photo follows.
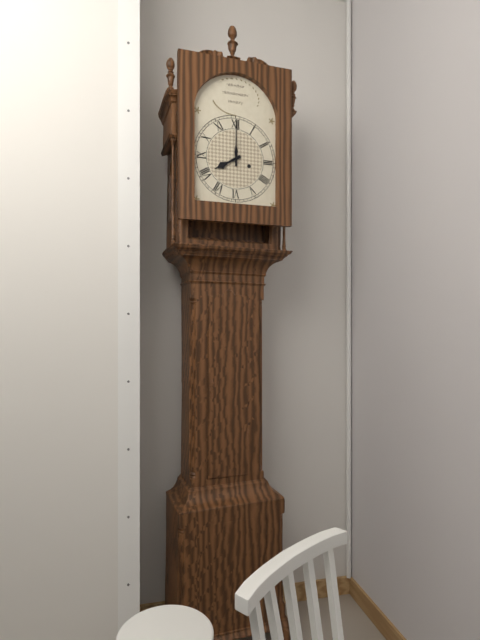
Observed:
8:00
